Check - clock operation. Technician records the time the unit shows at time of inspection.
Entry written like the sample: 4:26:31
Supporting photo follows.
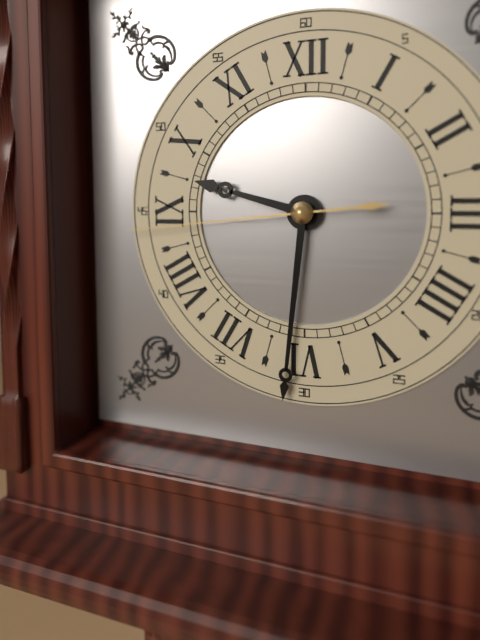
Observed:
9:31:44
